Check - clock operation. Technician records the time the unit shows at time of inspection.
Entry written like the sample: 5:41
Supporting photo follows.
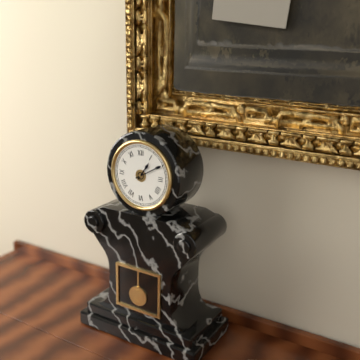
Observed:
1:10
